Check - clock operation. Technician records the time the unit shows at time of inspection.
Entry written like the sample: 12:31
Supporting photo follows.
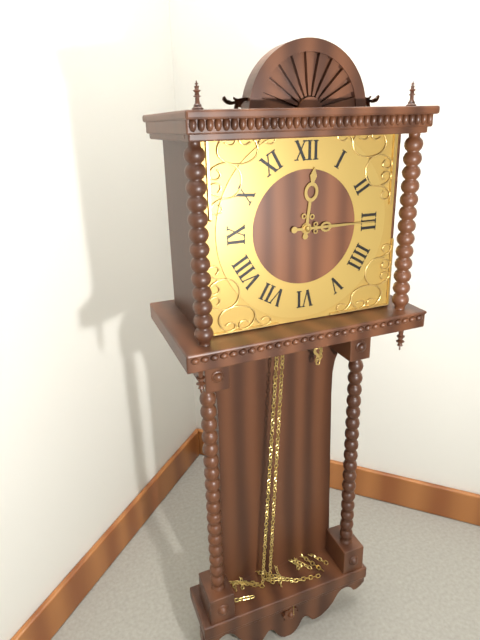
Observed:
12:15
